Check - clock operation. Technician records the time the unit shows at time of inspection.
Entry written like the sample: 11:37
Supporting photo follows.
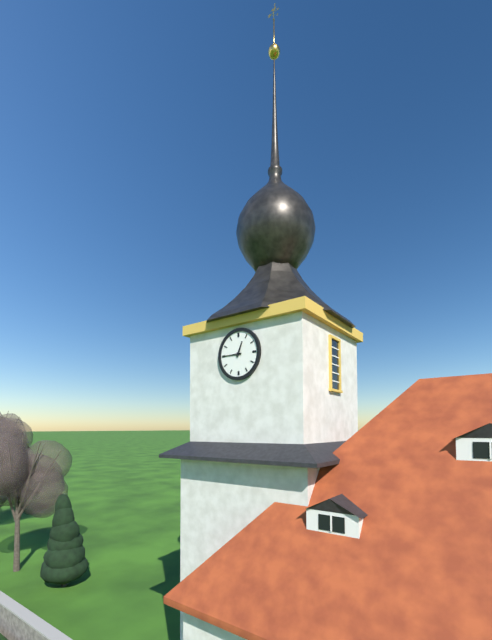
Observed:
12:45
